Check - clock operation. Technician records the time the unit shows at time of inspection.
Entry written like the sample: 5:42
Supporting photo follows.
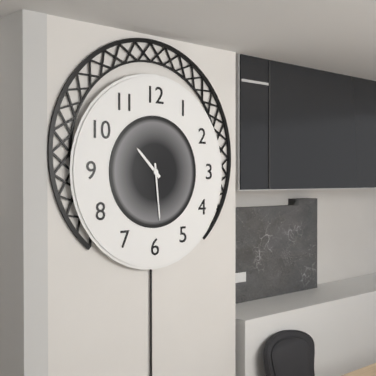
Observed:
10:29
